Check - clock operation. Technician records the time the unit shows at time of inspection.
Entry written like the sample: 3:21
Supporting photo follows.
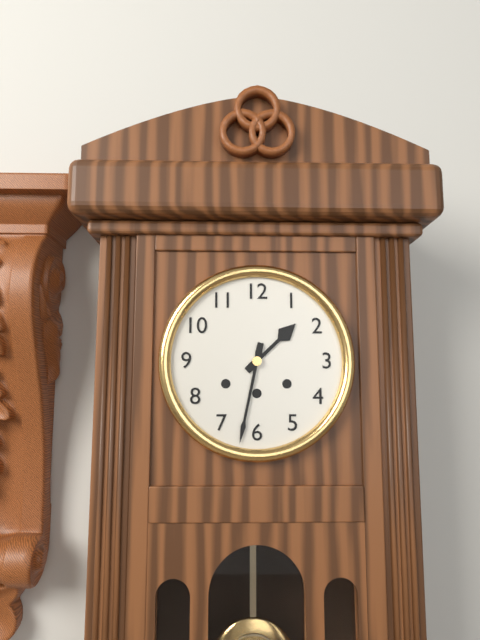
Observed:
1:32
